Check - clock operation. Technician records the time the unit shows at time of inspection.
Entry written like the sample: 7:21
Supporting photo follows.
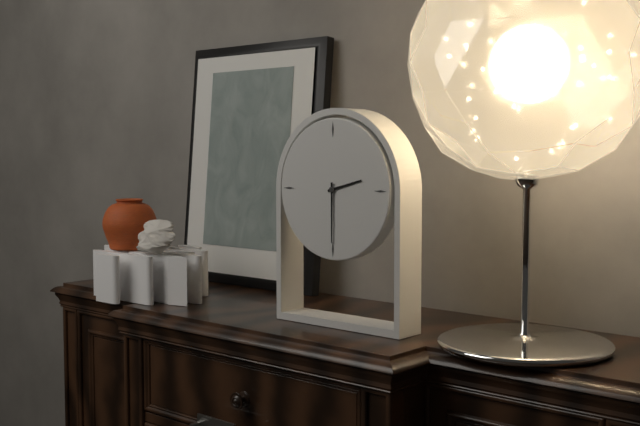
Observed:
2:30
